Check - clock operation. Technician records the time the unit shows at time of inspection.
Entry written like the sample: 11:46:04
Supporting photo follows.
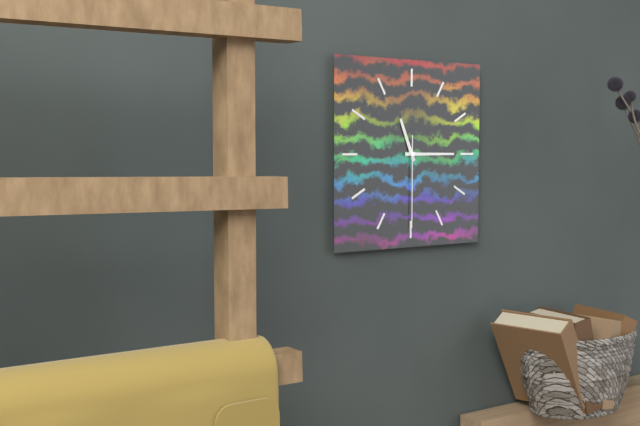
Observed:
11:15:30
